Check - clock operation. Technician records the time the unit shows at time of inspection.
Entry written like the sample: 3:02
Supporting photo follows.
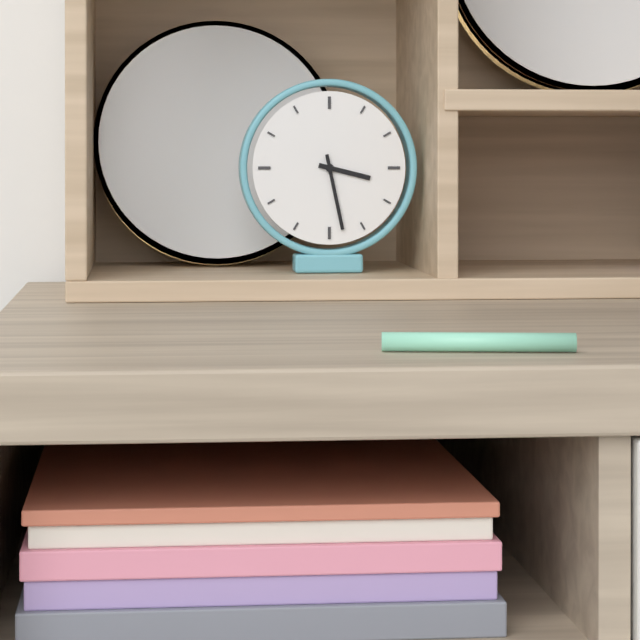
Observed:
3:28
